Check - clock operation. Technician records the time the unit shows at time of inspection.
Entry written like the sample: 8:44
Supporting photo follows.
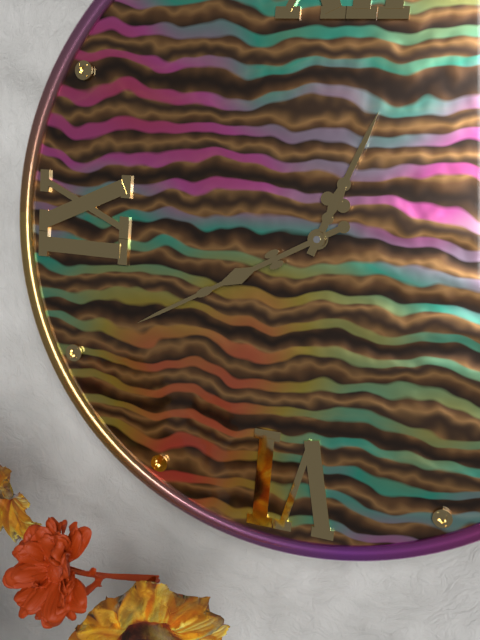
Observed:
12:40
